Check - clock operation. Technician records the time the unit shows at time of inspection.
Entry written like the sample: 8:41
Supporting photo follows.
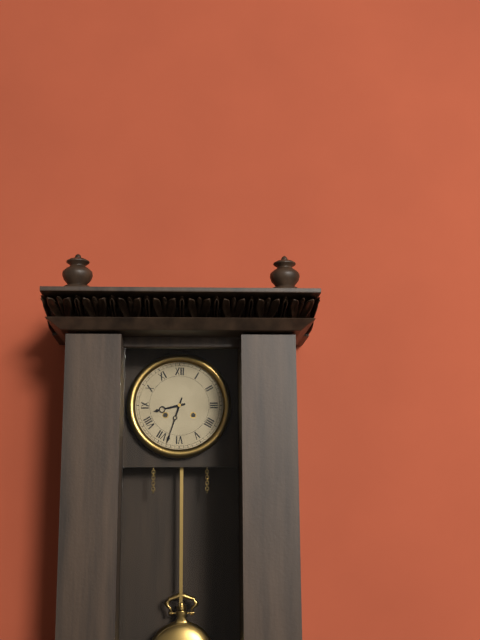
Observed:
8:33
